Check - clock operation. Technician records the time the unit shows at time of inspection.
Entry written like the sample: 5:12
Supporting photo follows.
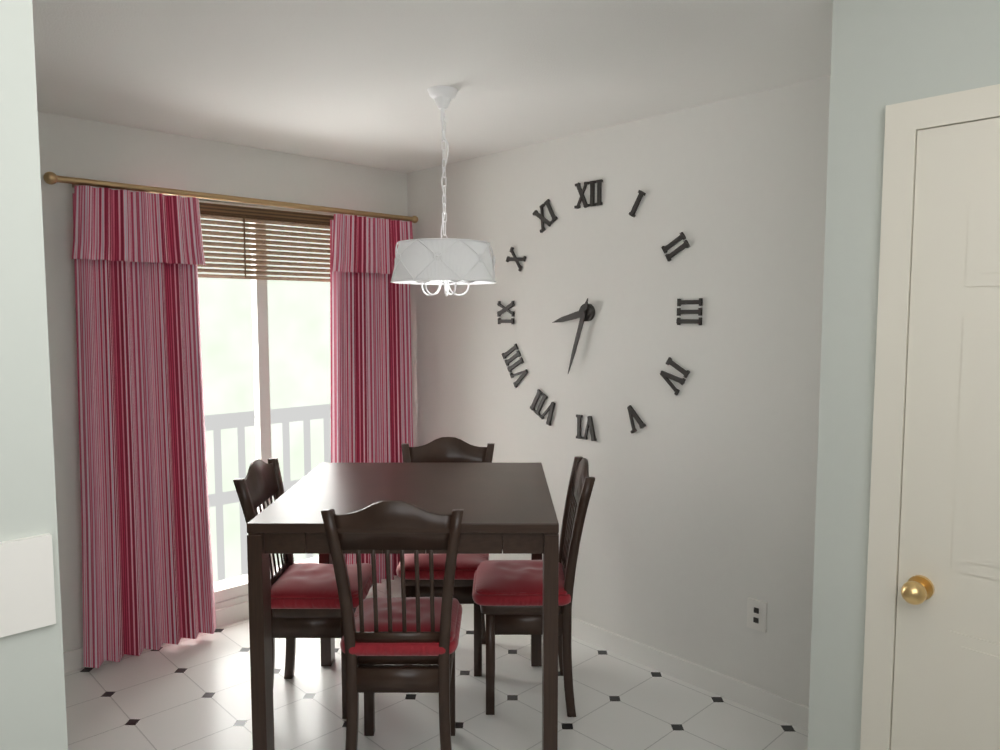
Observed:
8:33
